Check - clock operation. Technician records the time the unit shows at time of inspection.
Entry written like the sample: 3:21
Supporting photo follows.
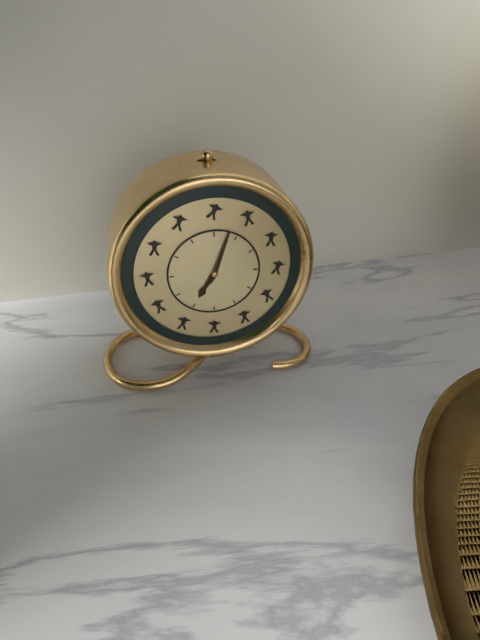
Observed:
7:03
